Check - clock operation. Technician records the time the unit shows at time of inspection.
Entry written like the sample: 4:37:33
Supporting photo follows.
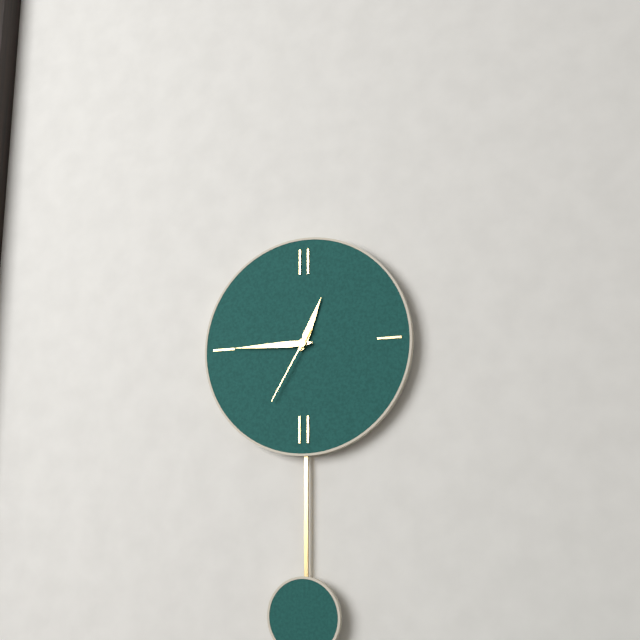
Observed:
12:45:35
